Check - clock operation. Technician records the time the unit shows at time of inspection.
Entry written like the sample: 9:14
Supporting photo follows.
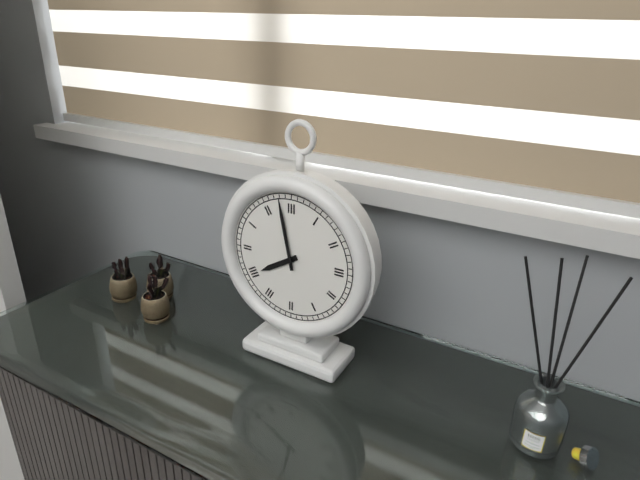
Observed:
7:58
